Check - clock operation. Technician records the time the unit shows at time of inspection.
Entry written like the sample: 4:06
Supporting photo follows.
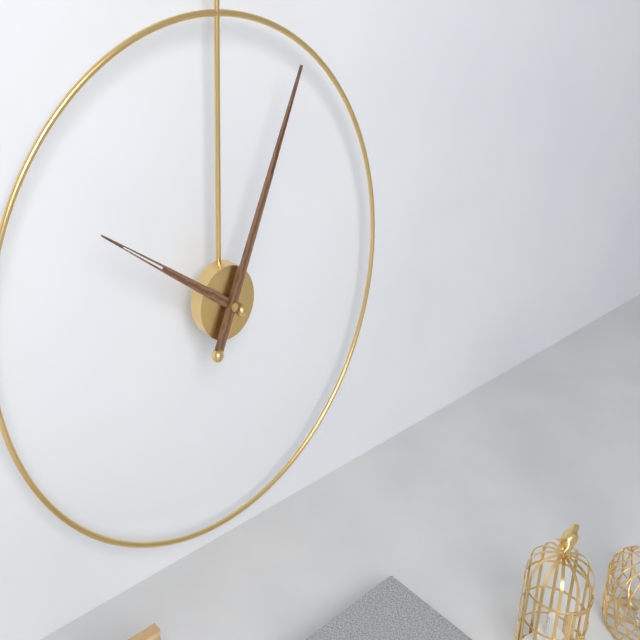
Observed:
10:04
